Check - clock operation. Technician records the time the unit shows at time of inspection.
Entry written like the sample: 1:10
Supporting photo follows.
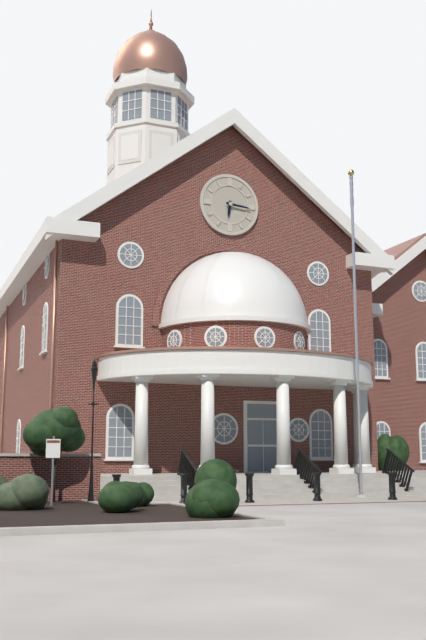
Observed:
6:16
